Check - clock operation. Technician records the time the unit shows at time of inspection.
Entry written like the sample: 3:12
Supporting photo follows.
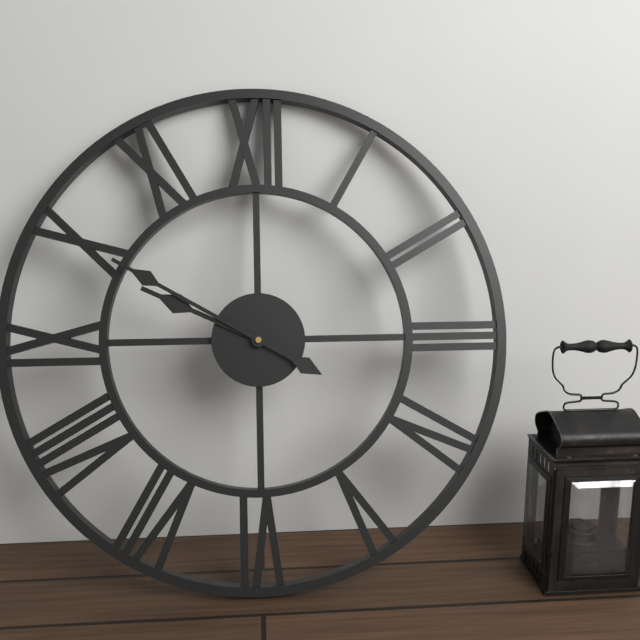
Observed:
9:50
